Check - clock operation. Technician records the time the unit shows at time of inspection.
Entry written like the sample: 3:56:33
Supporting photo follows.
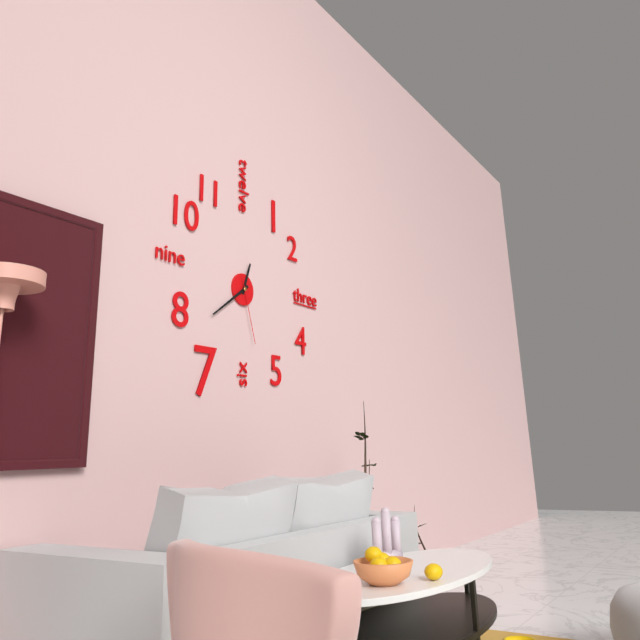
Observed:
12:39:27
